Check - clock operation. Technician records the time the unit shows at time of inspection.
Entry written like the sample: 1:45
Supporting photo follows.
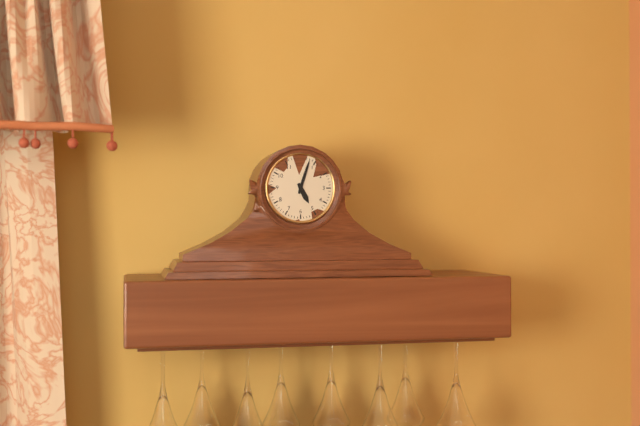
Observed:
5:03
